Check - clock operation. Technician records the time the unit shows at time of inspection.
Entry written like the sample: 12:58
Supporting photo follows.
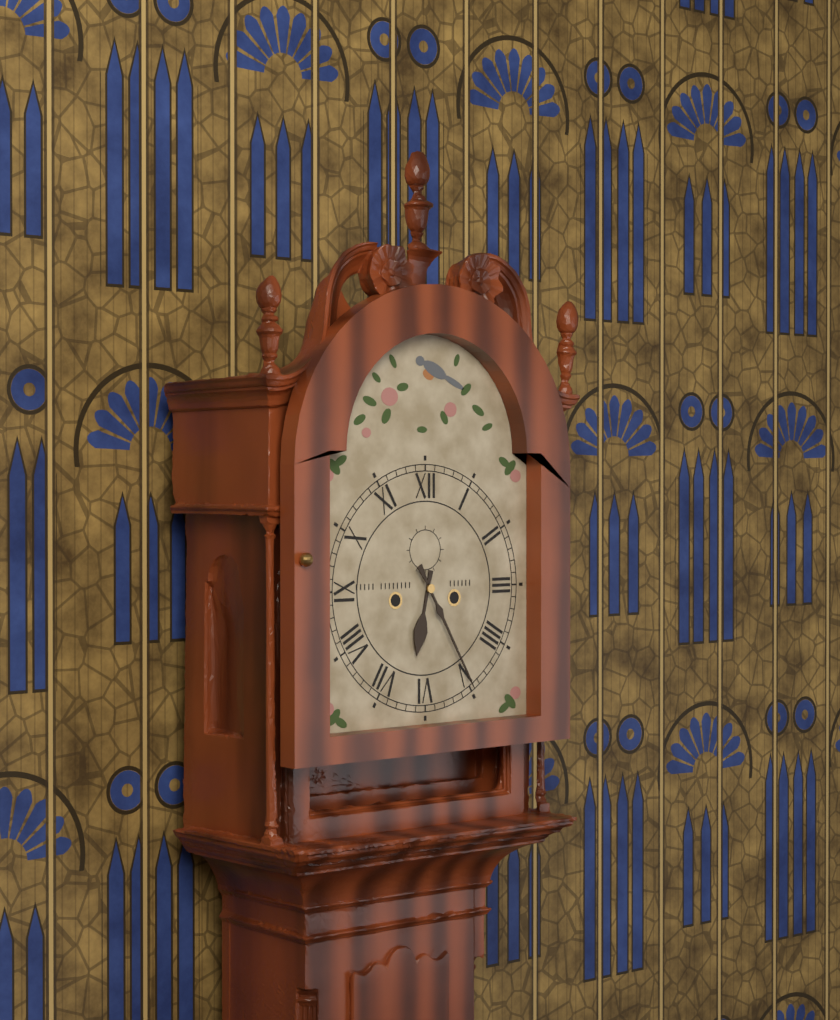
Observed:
6:25
